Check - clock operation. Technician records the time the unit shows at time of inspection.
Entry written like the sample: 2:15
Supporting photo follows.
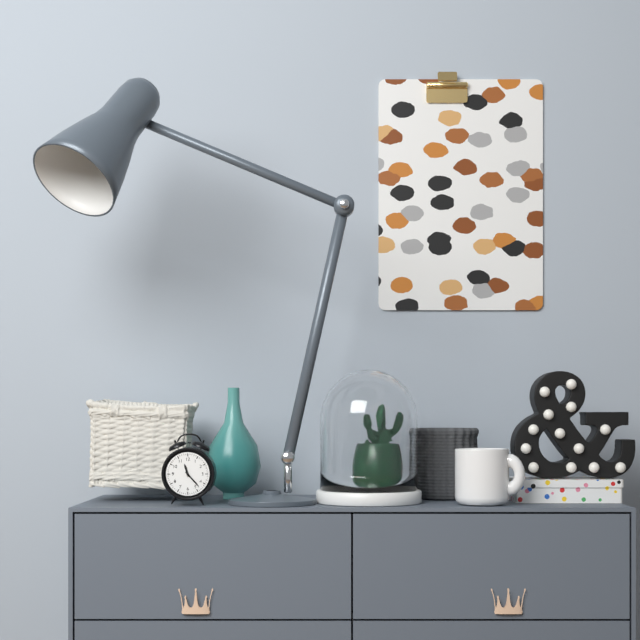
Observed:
11:23
